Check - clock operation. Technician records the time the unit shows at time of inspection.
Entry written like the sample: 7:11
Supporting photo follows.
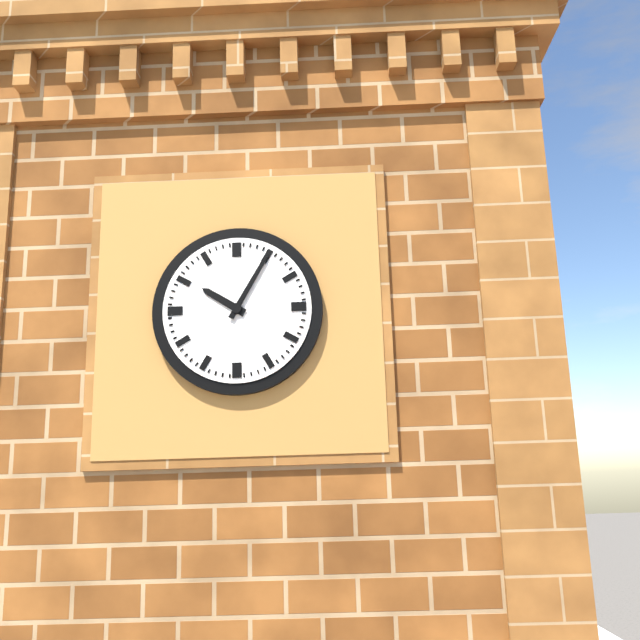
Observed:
10:05
